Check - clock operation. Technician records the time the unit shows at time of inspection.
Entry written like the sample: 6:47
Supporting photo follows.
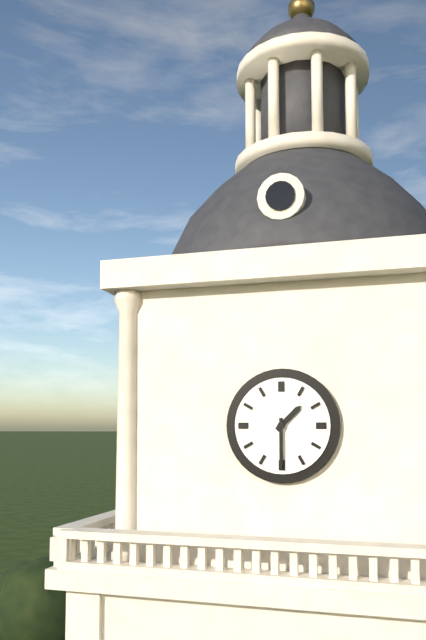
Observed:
1:30
